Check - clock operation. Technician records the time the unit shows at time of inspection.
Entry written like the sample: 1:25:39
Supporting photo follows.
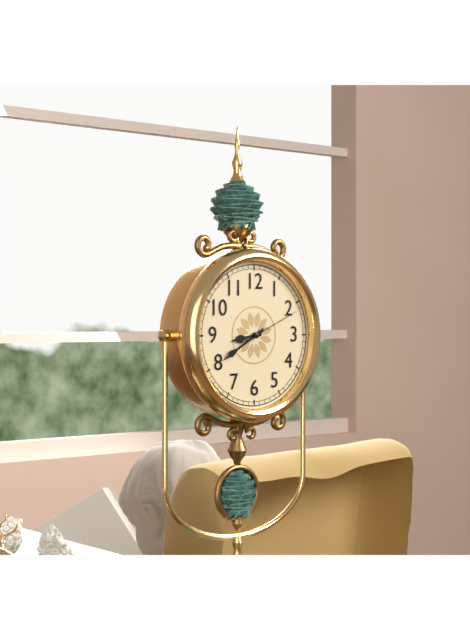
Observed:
8:40:11
